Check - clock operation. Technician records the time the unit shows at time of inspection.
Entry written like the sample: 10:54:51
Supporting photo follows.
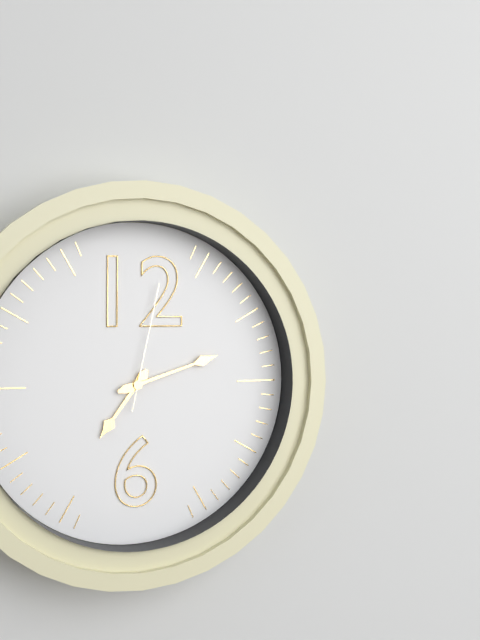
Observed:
7:12:02
